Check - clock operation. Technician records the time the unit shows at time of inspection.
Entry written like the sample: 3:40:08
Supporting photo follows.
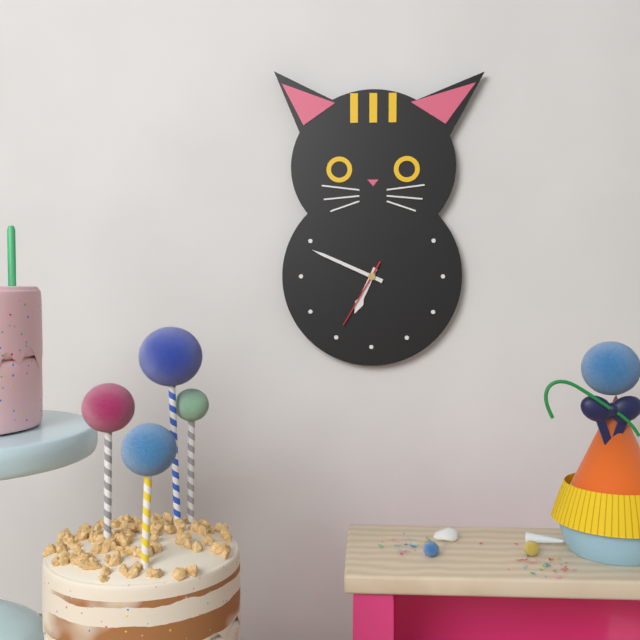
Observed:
6:49:35
